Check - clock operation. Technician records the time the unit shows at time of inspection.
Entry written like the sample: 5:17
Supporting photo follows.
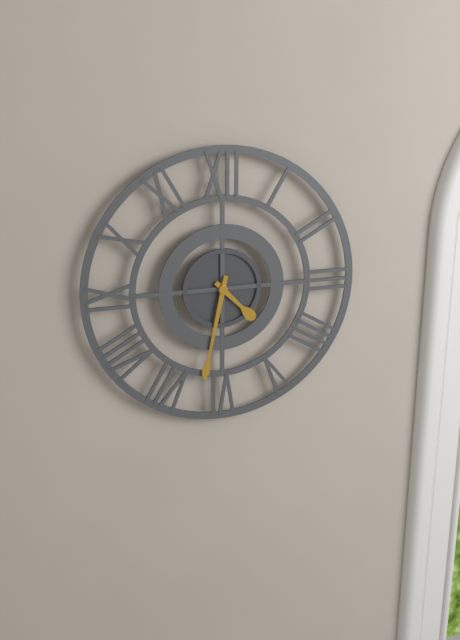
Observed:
4:32
